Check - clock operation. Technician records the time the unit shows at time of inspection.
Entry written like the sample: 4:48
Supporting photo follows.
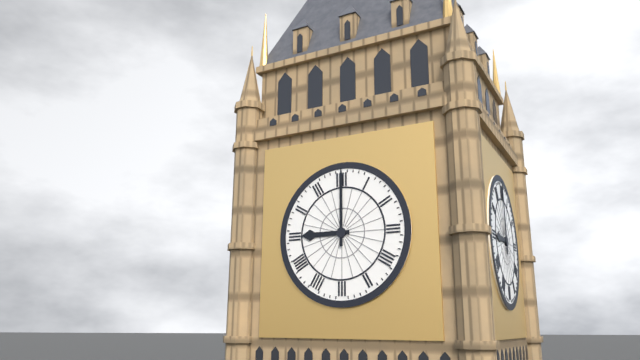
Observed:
9:00
